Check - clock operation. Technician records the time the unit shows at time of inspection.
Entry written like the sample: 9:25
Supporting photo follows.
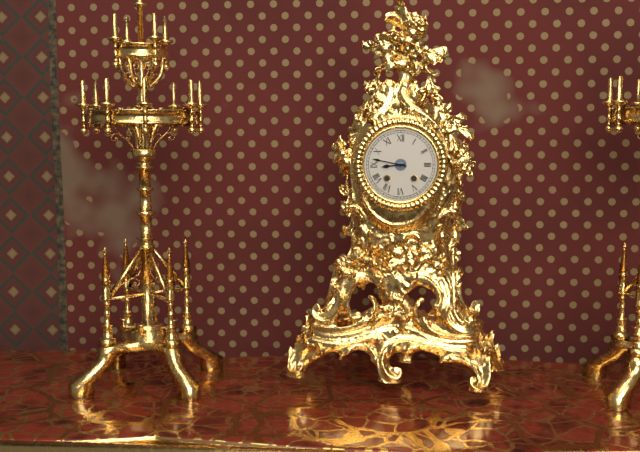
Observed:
8:47
